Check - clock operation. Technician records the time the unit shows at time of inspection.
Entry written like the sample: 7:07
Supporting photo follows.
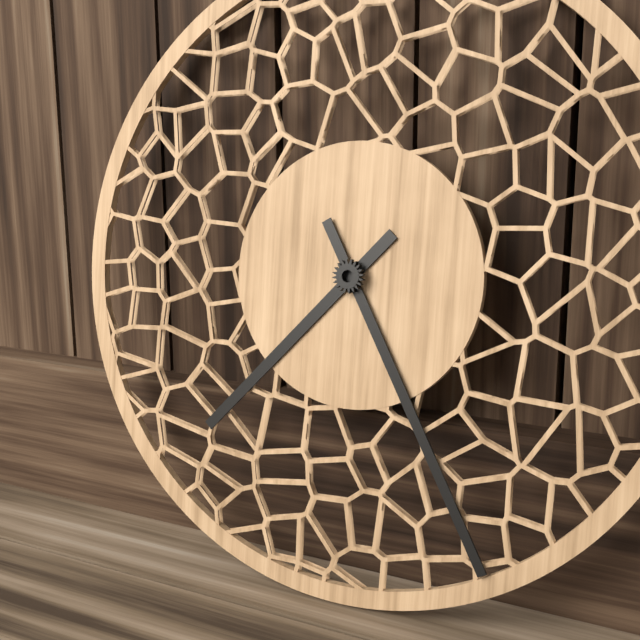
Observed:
7:25
